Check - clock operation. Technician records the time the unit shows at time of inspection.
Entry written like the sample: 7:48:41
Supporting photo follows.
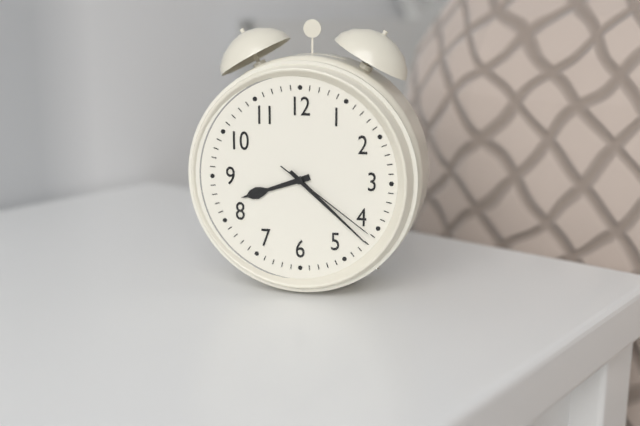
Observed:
8:22:21
